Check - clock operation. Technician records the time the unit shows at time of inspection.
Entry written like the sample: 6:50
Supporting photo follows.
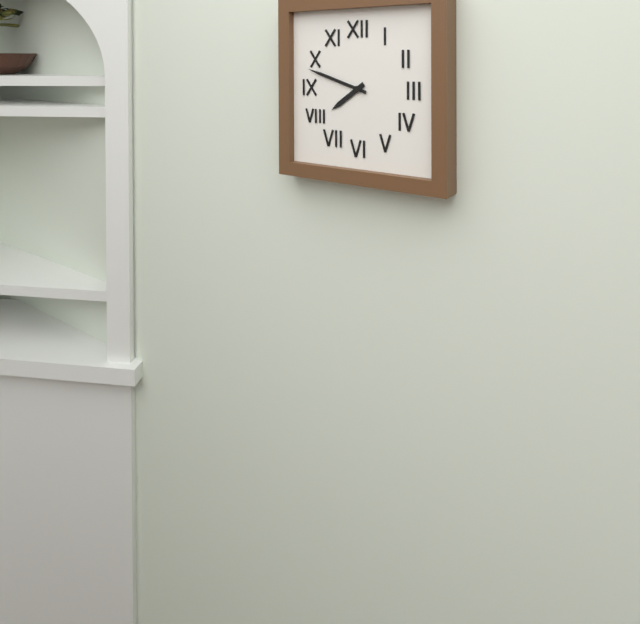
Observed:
7:48
